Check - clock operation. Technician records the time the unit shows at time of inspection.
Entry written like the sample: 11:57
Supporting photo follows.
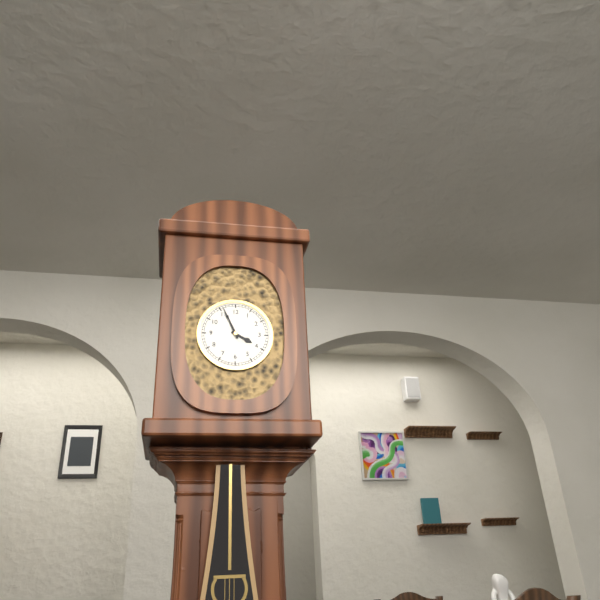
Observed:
3:56
